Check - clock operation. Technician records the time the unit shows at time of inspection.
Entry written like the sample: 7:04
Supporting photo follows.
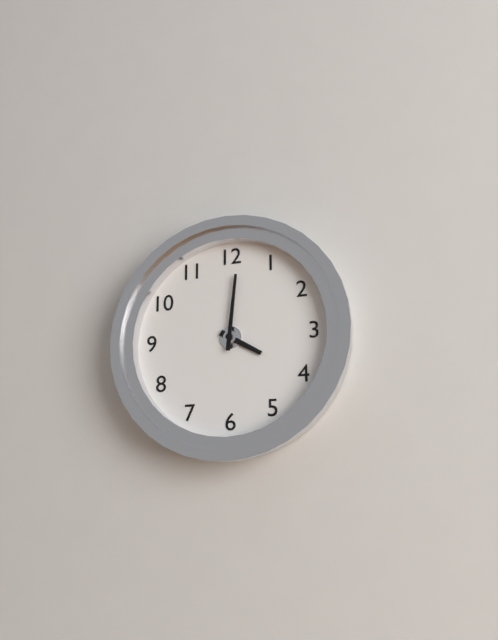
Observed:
4:01
